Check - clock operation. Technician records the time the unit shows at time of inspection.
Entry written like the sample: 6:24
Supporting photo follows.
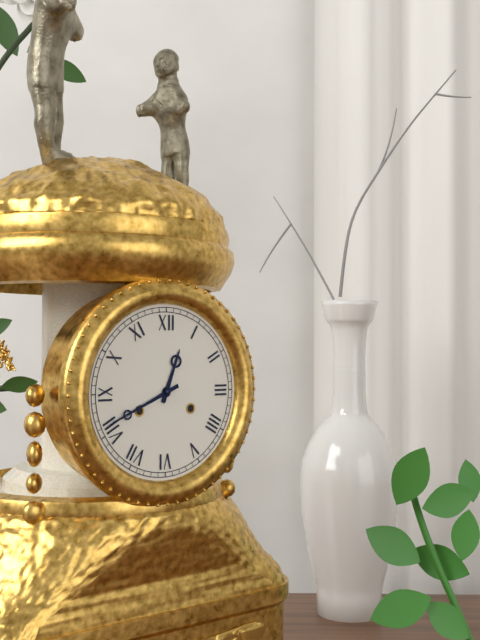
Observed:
12:41
